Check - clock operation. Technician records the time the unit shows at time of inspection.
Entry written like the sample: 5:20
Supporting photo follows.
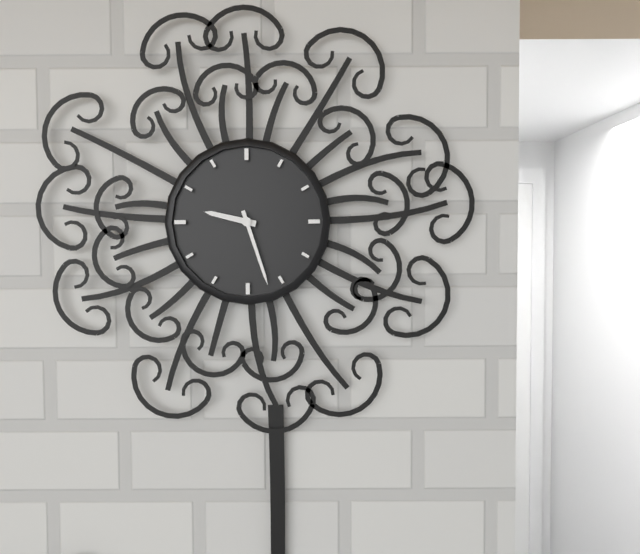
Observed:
9:27
